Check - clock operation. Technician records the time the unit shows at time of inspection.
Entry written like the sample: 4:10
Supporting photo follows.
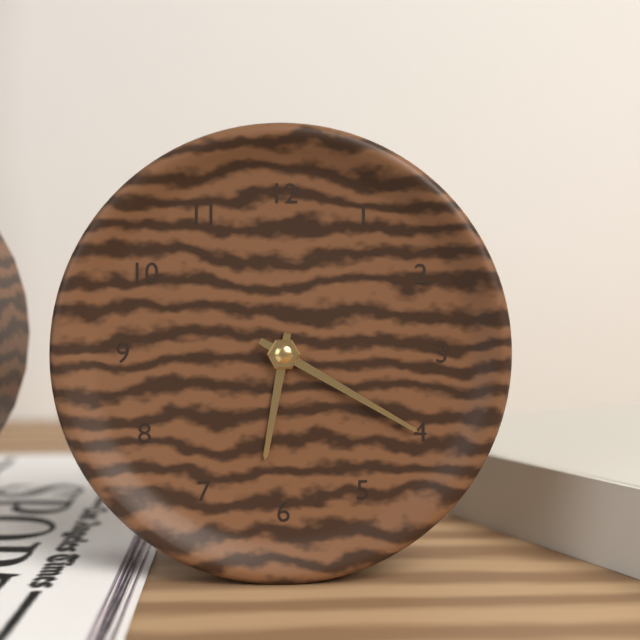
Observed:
6:20
